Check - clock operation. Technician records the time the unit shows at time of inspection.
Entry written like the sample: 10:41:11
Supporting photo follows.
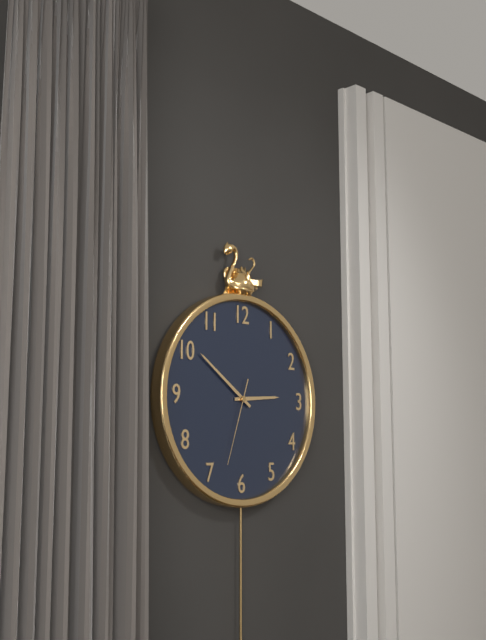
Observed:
2:51:33
